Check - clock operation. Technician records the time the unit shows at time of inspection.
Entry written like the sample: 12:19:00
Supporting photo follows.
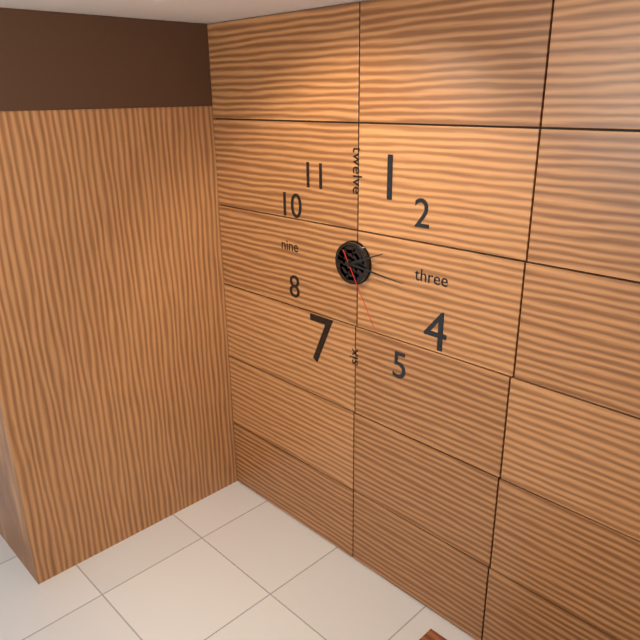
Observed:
2:16:25
